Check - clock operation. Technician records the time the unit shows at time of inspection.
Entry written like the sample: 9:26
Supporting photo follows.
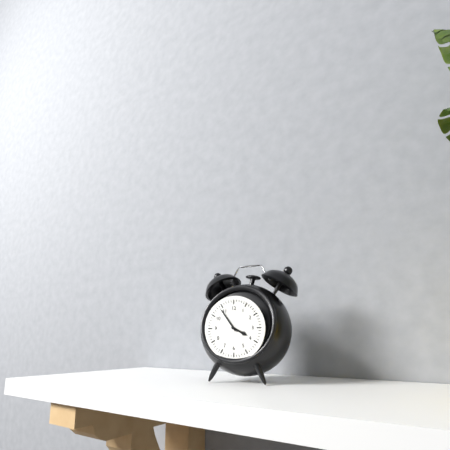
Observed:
3:54
